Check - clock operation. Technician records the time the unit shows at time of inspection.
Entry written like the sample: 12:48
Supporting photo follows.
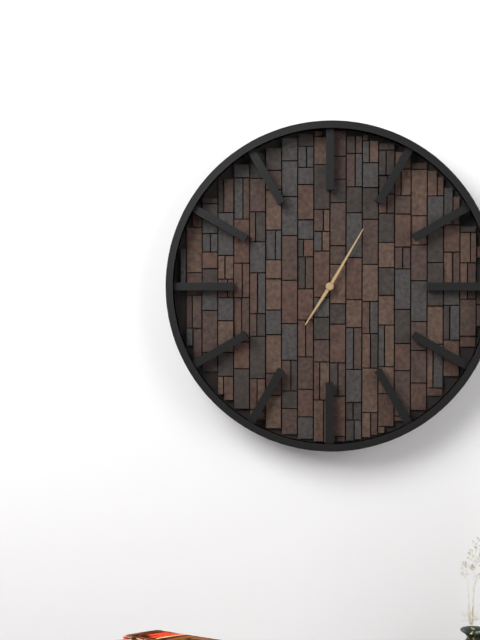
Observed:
7:05
